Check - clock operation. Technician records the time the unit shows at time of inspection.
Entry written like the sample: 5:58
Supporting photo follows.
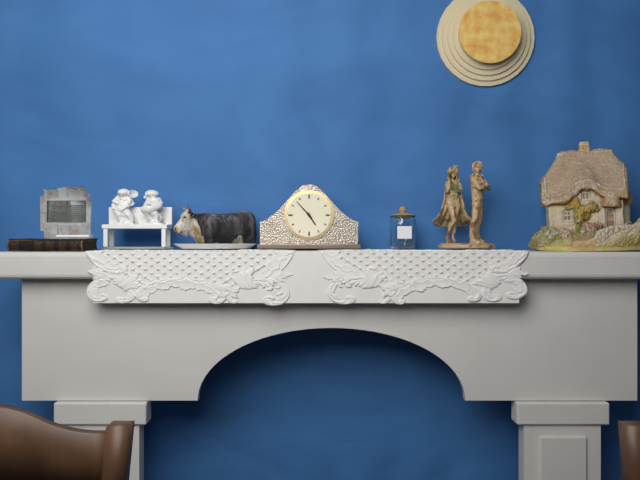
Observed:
4:53
